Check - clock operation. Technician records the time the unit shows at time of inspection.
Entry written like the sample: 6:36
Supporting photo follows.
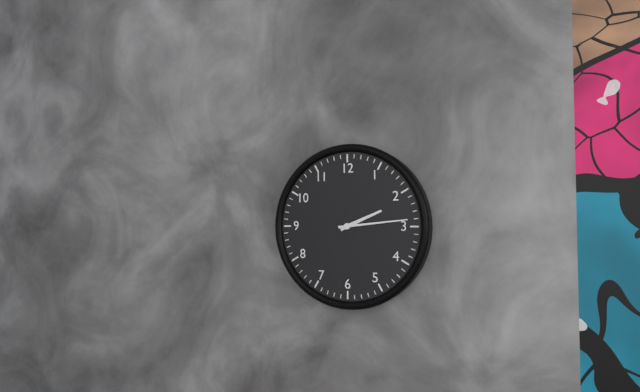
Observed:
2:14
